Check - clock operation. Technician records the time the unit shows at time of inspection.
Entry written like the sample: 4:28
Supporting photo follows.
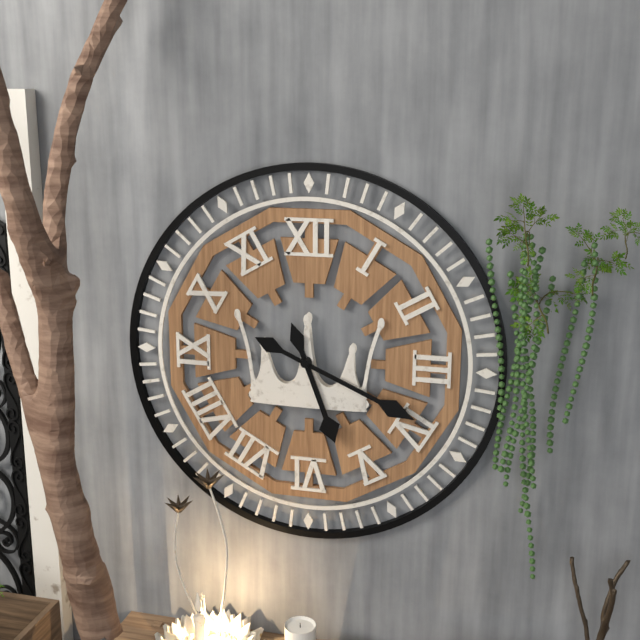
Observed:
5:19
